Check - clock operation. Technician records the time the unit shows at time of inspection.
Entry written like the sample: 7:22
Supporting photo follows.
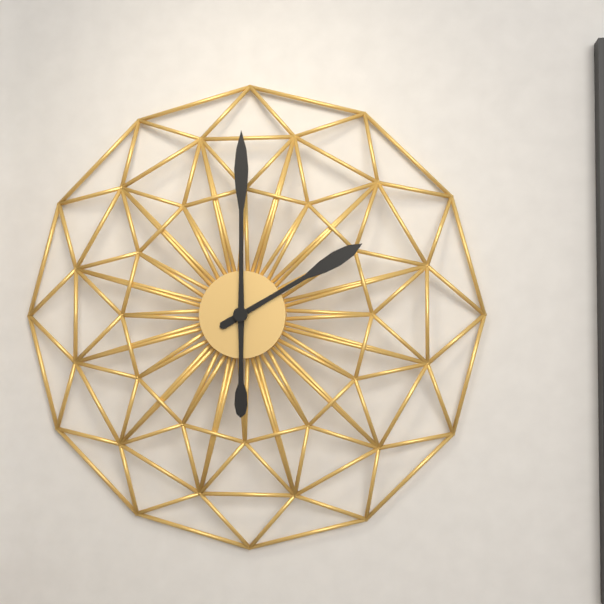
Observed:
2:00
